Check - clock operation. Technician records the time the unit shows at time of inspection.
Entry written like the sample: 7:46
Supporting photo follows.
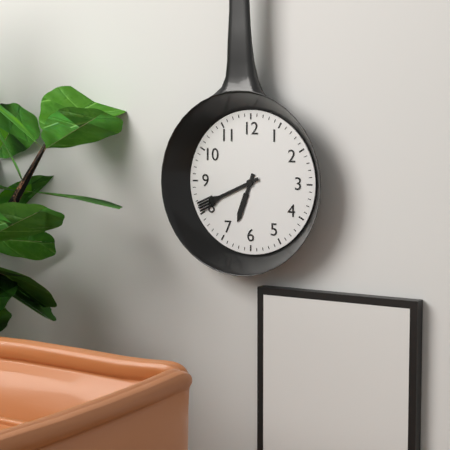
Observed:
6:41
